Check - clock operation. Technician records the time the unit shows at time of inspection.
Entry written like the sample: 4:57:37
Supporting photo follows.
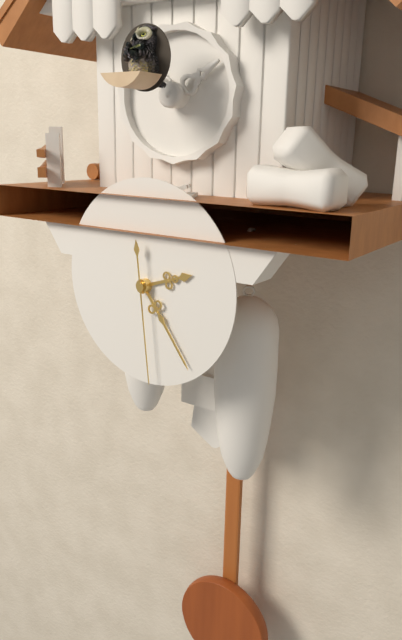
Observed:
2:24:29
